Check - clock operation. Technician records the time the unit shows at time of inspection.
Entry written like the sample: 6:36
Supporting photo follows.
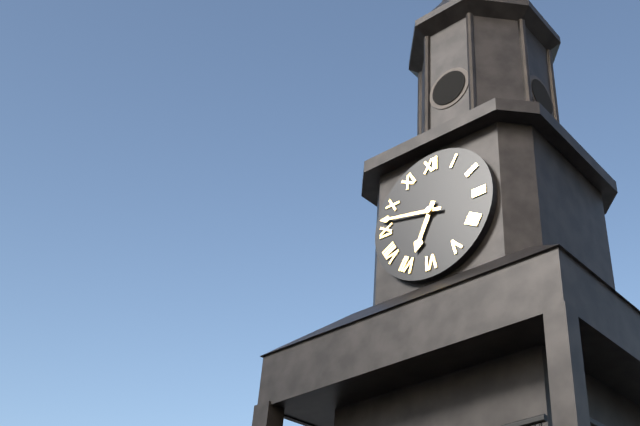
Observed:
6:47
